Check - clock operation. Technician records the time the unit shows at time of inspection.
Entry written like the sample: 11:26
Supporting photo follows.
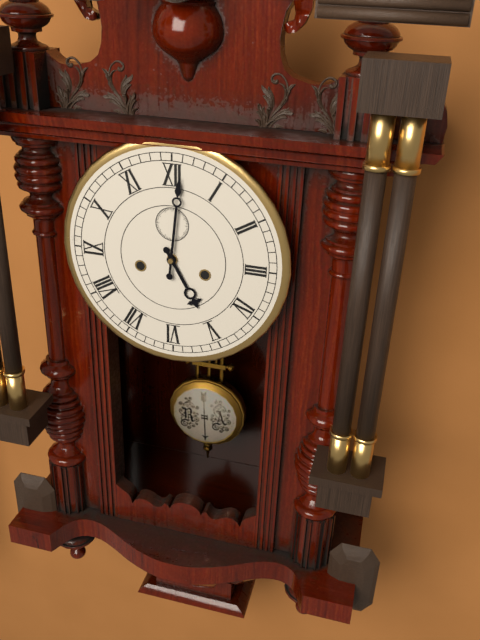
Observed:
5:01
